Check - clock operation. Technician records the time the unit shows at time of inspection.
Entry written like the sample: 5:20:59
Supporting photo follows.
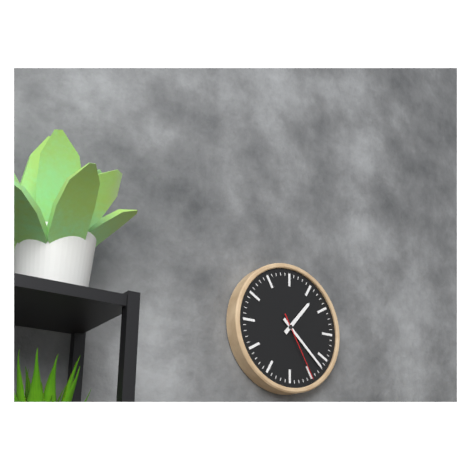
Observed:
1:22:25
